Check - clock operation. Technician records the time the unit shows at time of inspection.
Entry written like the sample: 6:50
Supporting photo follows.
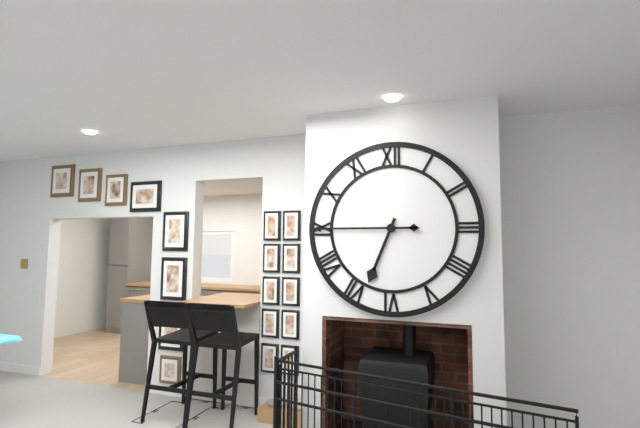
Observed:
6:45
